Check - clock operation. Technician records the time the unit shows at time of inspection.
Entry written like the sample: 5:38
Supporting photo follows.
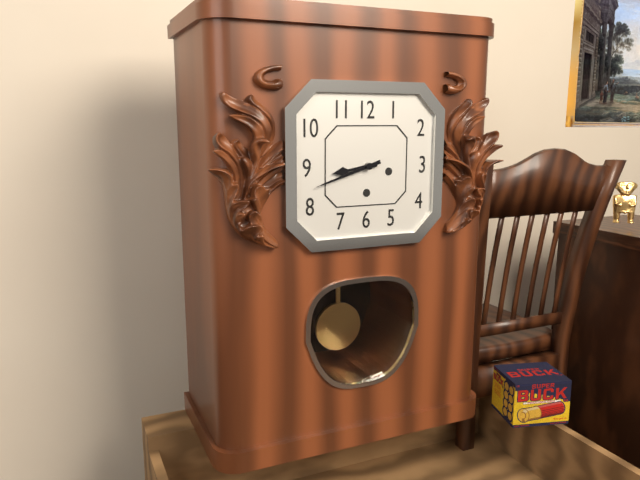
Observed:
8:42
